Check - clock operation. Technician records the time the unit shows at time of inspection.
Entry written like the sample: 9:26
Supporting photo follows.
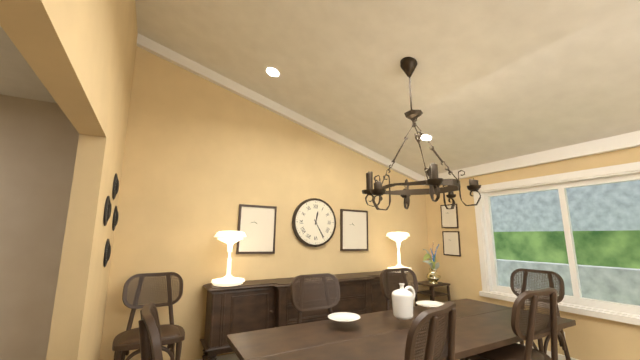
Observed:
12:25
